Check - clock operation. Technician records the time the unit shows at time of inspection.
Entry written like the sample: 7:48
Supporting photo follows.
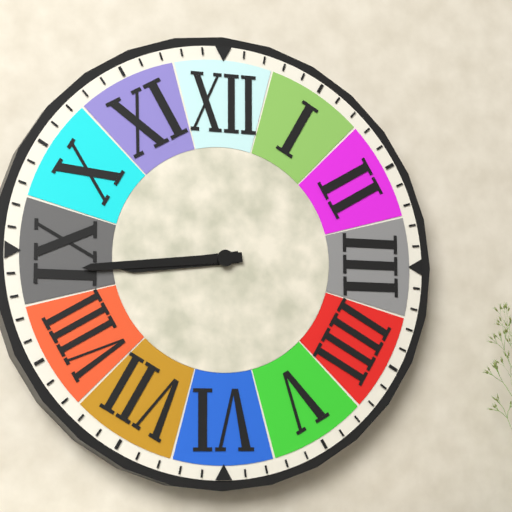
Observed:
8:44
